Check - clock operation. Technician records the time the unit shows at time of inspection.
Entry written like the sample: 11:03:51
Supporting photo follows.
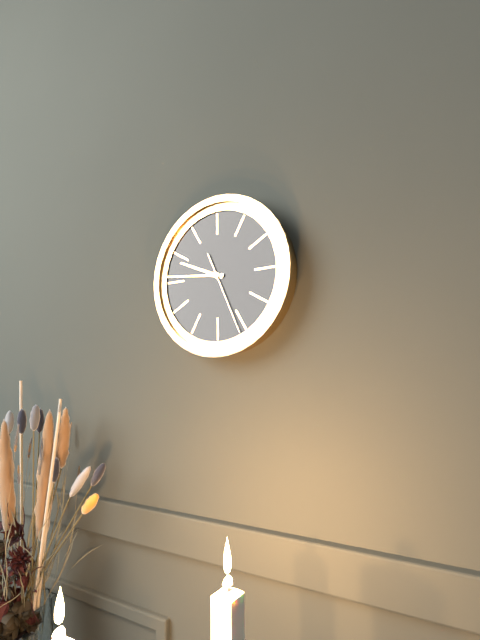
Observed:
9:46:26
